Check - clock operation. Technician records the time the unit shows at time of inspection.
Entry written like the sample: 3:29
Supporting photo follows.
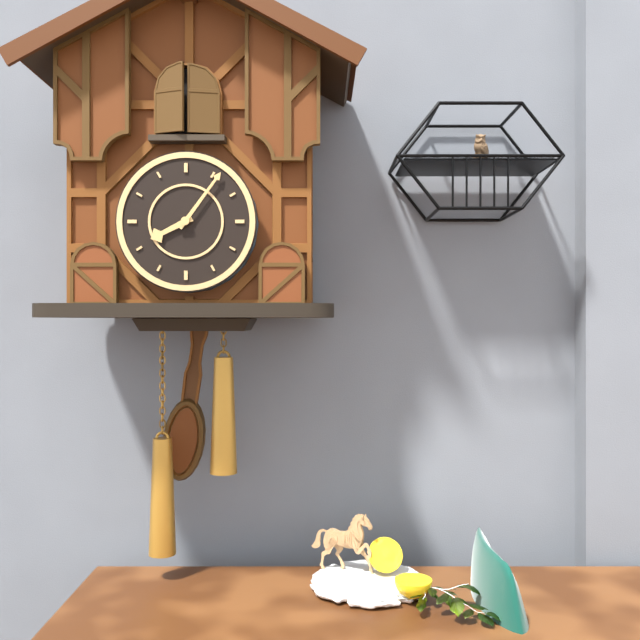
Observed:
8:06
